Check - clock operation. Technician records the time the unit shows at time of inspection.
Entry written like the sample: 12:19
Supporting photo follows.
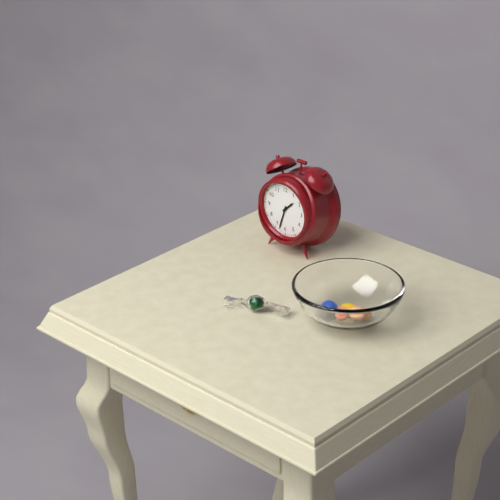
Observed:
1:33
